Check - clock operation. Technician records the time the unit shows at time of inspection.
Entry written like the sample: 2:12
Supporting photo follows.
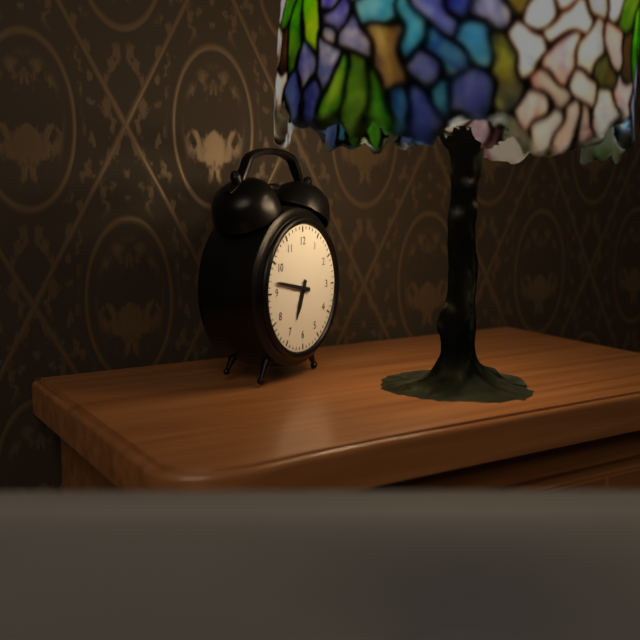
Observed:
6:47
